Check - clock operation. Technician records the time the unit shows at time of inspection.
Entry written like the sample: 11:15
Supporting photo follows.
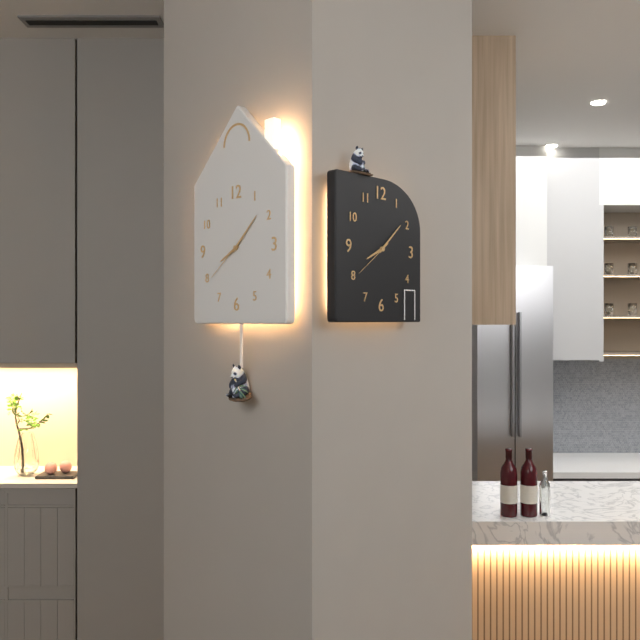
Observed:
8:08
